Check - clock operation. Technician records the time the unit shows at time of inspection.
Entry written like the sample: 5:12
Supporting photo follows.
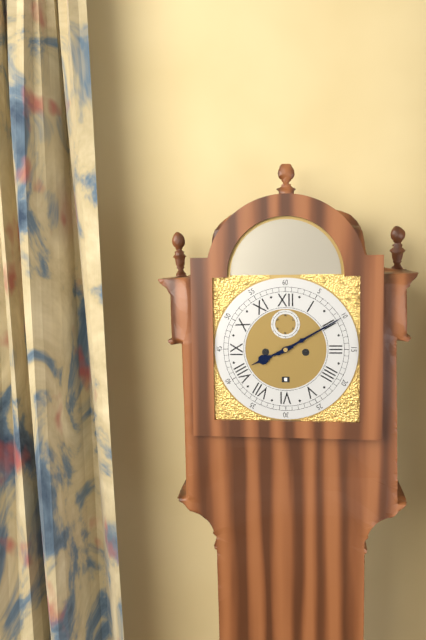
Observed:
8:10
